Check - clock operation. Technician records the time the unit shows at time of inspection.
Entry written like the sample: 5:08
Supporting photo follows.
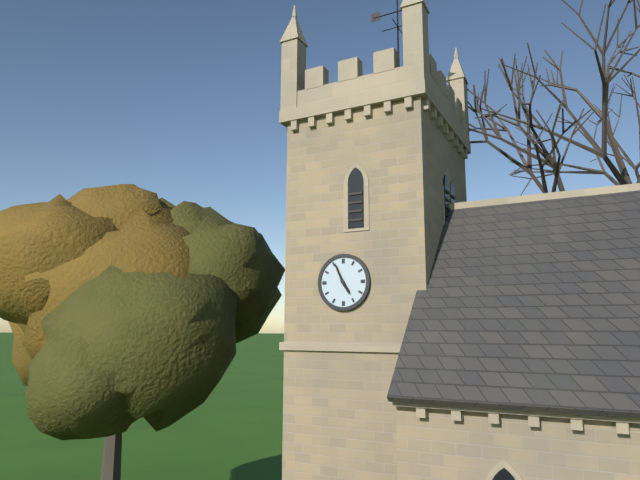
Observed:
4:56
